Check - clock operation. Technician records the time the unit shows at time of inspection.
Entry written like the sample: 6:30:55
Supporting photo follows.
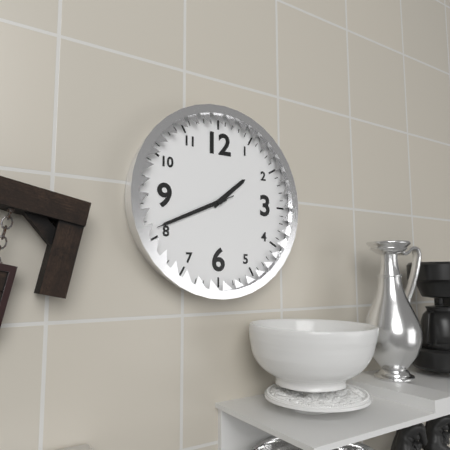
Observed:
1:41:41
